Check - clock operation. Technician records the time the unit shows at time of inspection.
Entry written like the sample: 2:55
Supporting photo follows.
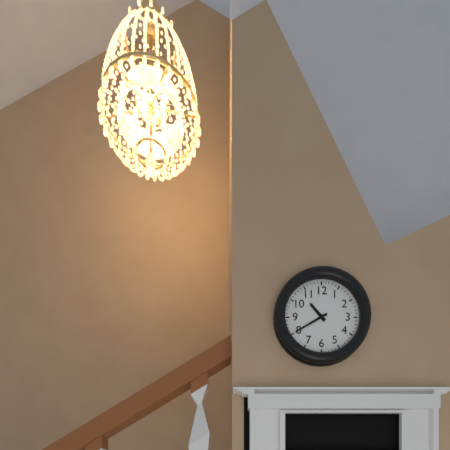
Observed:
10:40
